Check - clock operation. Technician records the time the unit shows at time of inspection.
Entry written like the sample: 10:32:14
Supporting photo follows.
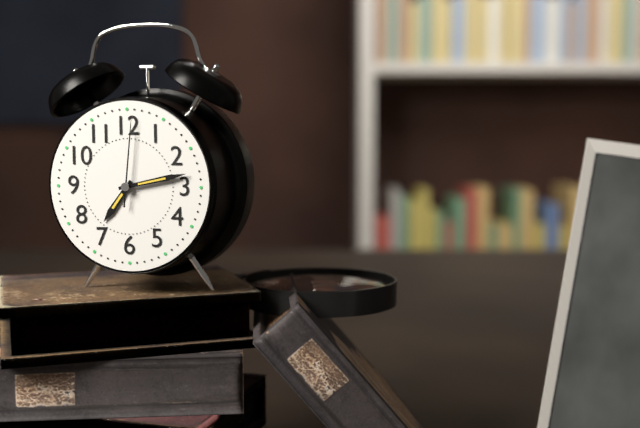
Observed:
7:13:01
